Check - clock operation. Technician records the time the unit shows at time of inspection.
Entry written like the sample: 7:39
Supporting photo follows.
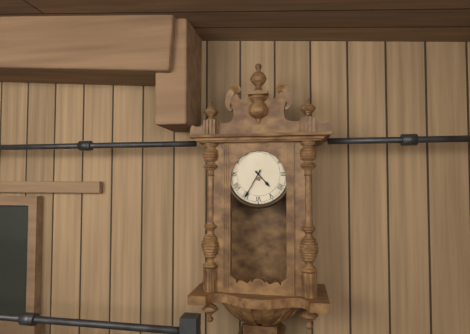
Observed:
4:35
